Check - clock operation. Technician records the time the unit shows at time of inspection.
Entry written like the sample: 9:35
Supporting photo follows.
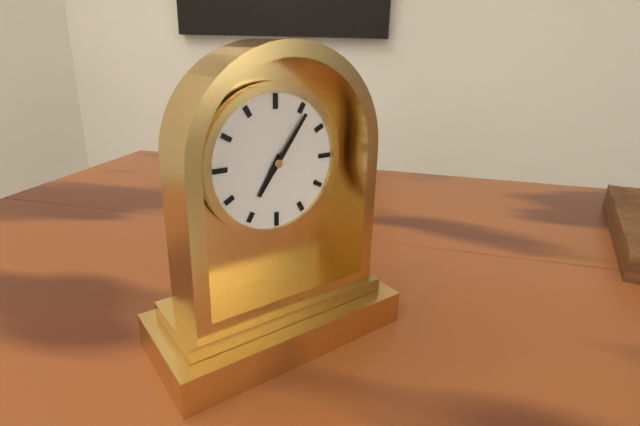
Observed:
7:06
